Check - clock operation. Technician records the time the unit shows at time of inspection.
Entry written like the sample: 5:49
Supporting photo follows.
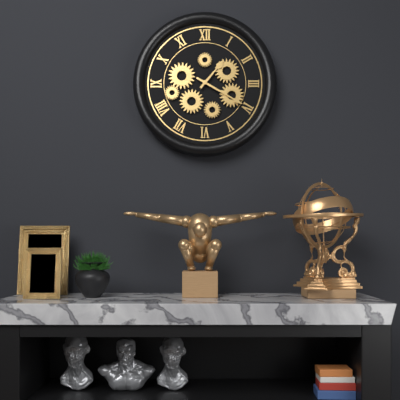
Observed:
1:20
